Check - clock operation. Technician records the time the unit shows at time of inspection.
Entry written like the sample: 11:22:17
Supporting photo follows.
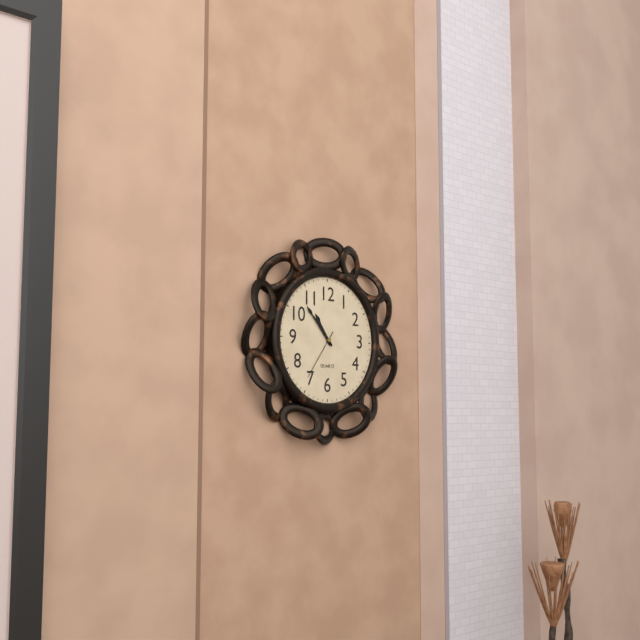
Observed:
10:53:36
